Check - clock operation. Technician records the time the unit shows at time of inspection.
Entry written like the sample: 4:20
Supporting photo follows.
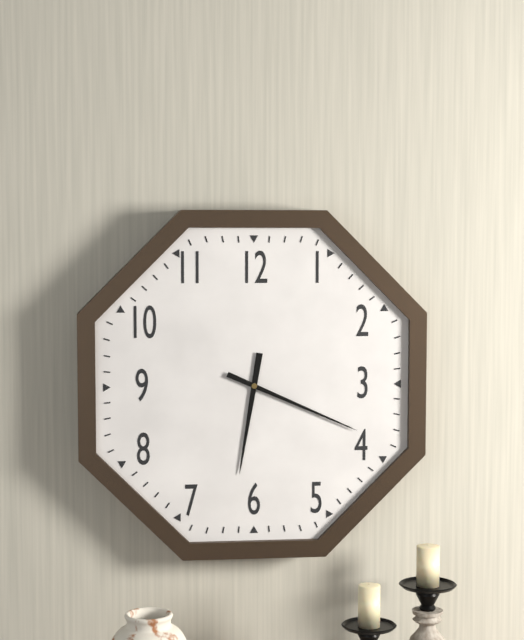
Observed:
6:19
